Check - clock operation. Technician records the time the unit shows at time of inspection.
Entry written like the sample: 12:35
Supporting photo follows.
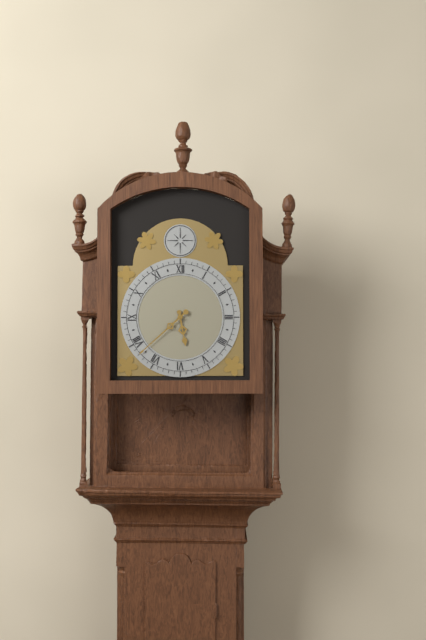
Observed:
5:38
